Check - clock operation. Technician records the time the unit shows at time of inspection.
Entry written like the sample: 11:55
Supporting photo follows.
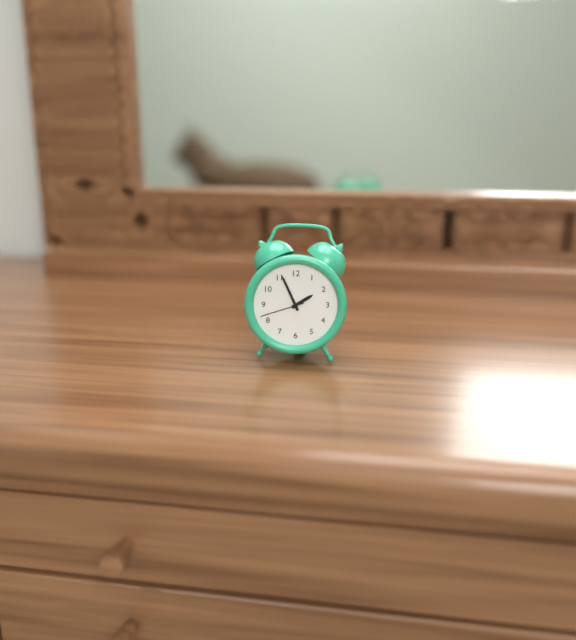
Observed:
1:56
